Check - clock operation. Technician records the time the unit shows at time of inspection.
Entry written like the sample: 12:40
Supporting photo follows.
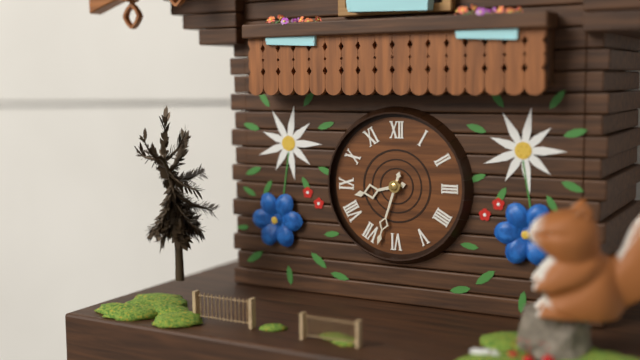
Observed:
8:33
